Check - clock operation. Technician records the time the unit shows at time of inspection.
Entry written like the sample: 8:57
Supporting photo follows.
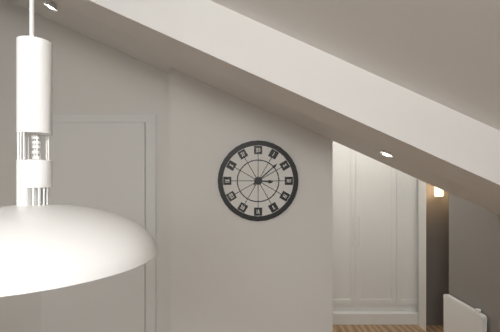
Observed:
3:08
